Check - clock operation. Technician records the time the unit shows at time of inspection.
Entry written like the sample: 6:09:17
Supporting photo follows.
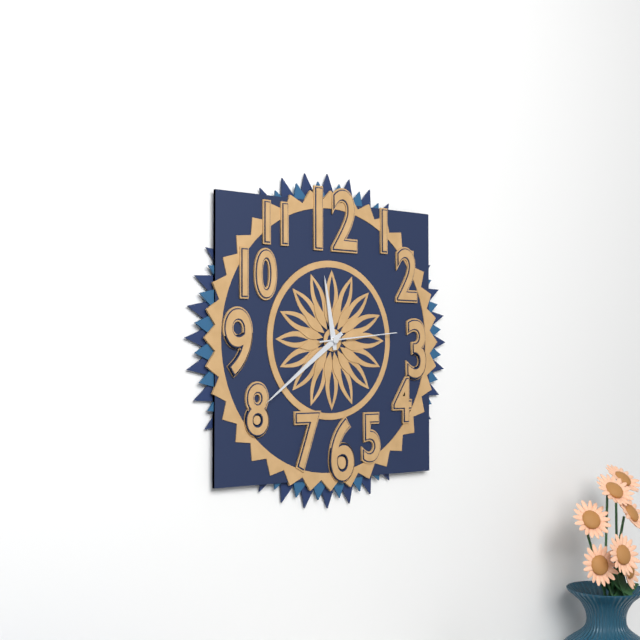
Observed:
11:39:14
